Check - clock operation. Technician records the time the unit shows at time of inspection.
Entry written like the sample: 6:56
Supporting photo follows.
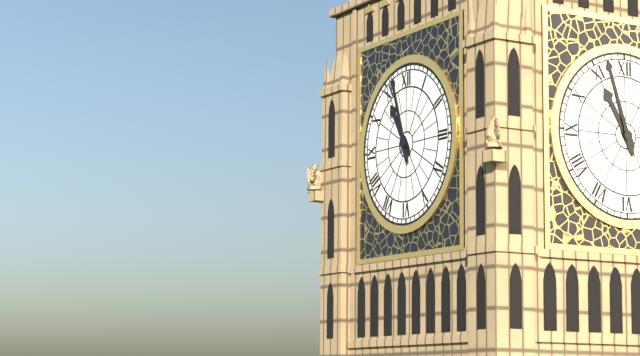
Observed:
10:57
